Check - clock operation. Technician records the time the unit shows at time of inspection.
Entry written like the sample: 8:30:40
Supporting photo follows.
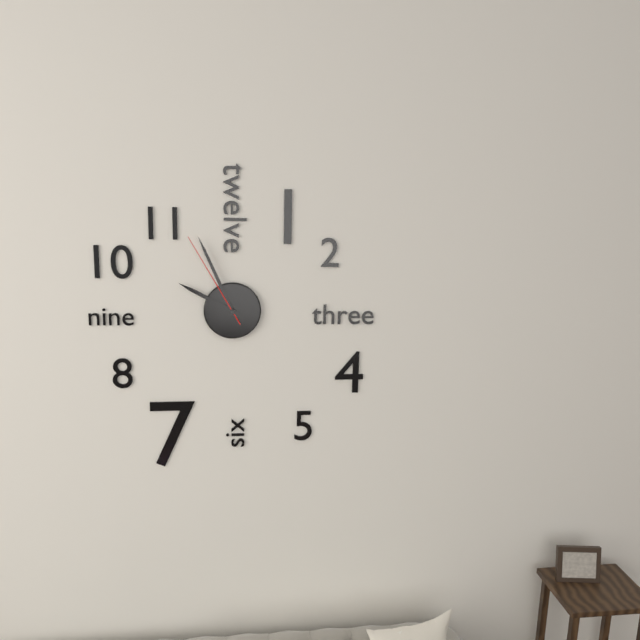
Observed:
9:56:55
